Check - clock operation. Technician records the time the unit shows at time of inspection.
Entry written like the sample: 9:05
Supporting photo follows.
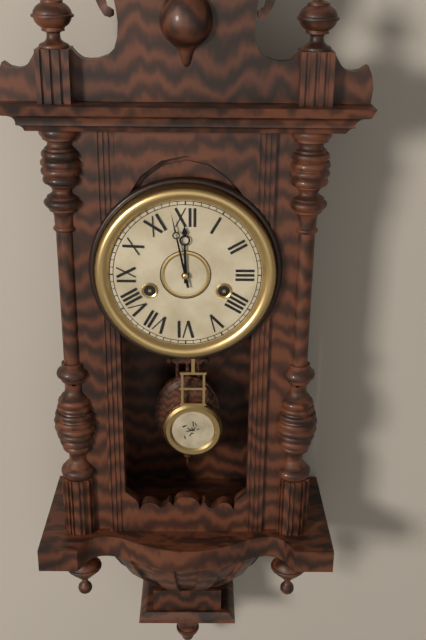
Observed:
11:58
